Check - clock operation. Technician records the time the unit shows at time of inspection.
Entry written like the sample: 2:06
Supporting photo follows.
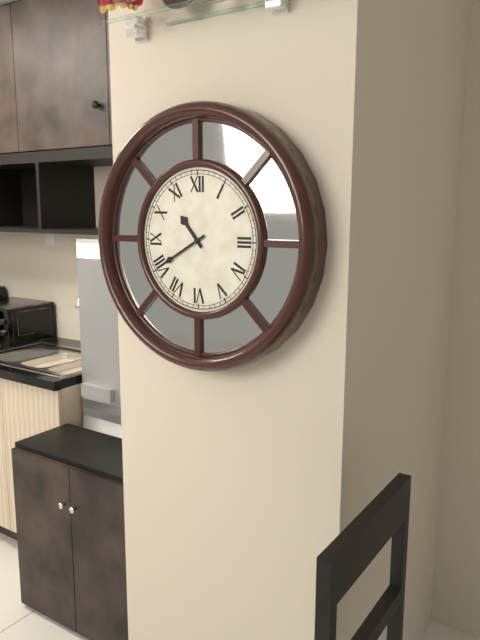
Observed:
10:40
